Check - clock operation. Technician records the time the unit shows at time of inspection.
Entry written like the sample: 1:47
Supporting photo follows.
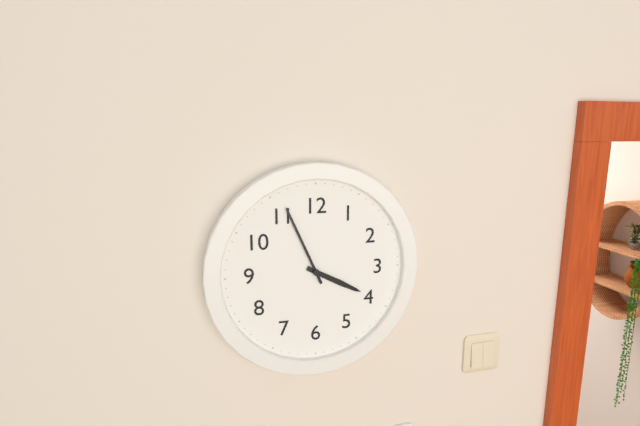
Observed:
3:56
